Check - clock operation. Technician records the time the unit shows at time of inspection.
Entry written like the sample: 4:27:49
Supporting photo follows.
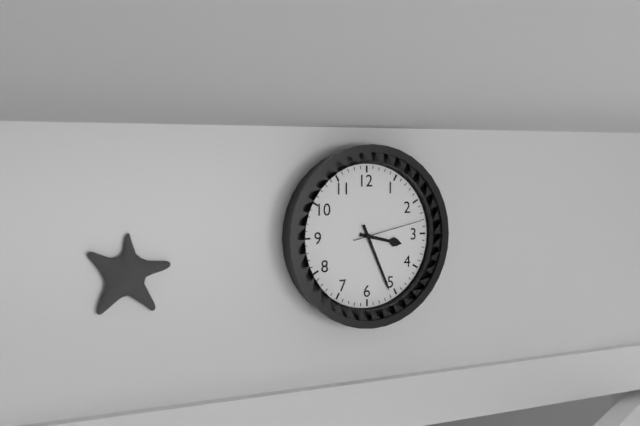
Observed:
3:26:13
